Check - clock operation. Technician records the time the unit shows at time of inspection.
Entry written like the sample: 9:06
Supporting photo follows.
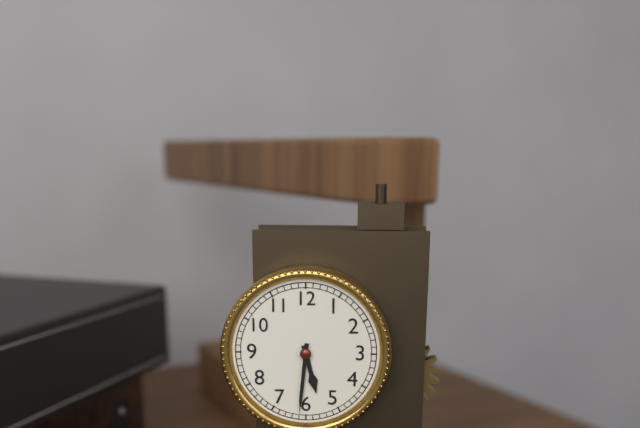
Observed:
5:31
